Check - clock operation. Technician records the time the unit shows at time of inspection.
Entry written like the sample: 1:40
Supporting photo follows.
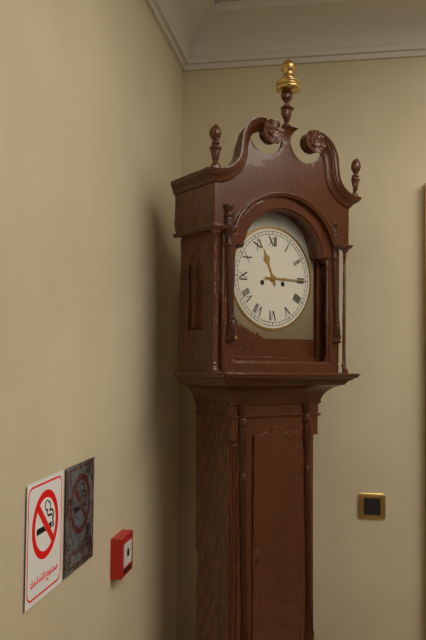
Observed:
11:15
